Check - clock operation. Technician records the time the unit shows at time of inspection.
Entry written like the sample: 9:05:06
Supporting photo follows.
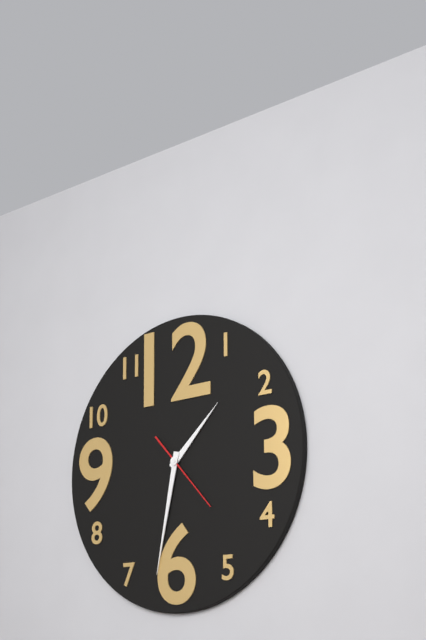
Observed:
1:32:23
